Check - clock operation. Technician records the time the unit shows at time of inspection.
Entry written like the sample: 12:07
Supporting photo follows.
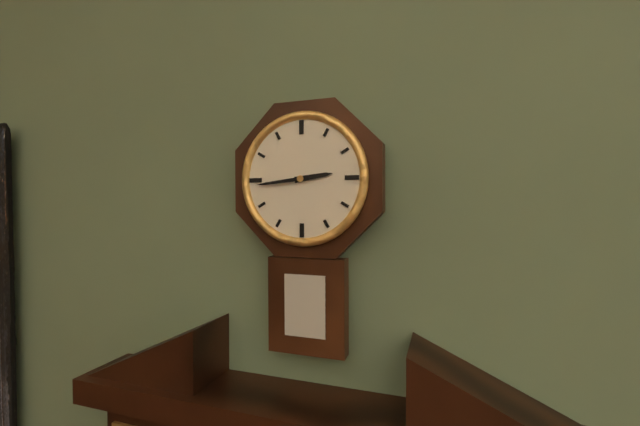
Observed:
2:44
